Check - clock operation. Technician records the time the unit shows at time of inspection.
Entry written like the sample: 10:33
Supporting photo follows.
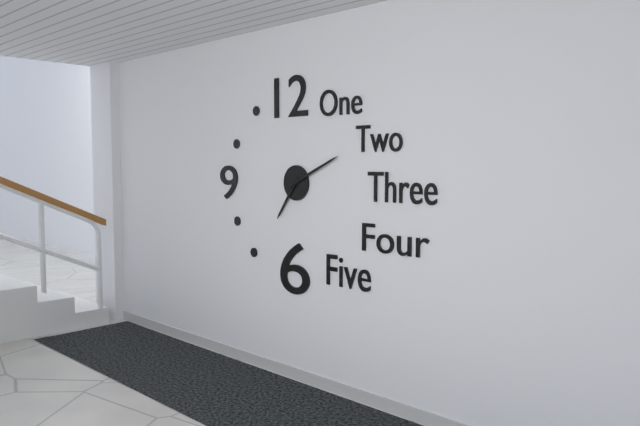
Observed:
7:11
